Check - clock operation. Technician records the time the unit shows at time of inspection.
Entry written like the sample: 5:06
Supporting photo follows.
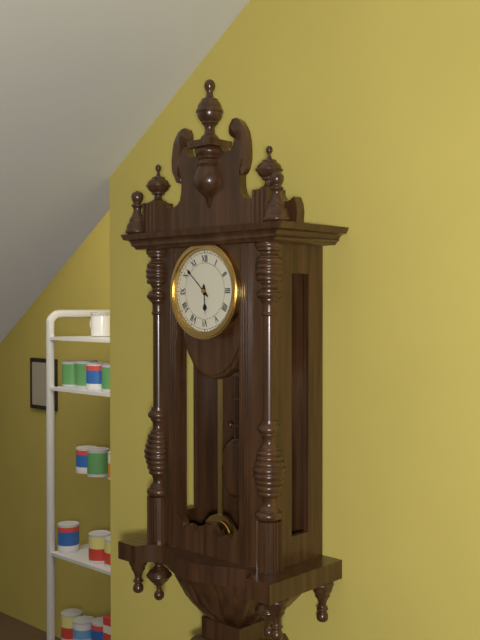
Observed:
5:52
